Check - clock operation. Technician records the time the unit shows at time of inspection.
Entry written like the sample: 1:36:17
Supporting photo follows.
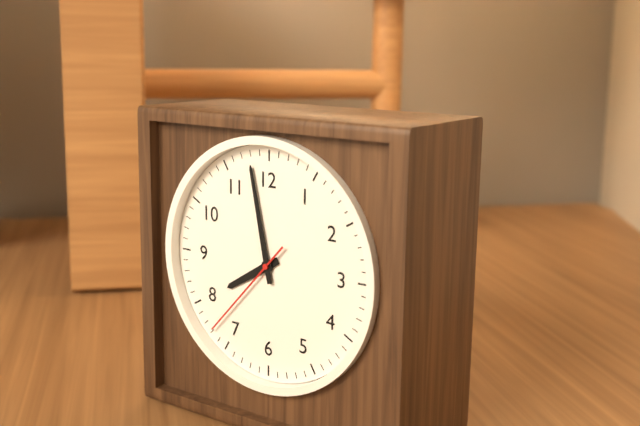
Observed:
7:58:37
